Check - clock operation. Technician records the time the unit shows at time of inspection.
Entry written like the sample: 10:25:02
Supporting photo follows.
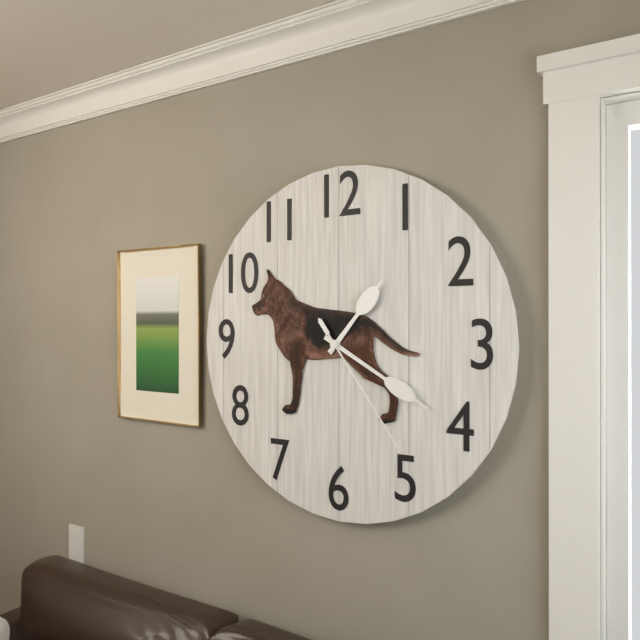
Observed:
1:20:24
